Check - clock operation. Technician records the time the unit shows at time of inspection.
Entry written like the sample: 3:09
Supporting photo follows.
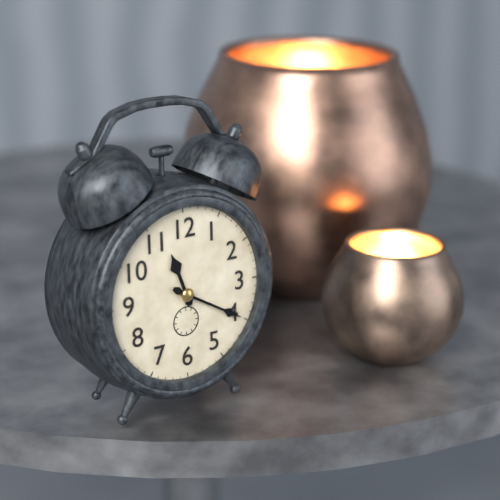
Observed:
11:20
